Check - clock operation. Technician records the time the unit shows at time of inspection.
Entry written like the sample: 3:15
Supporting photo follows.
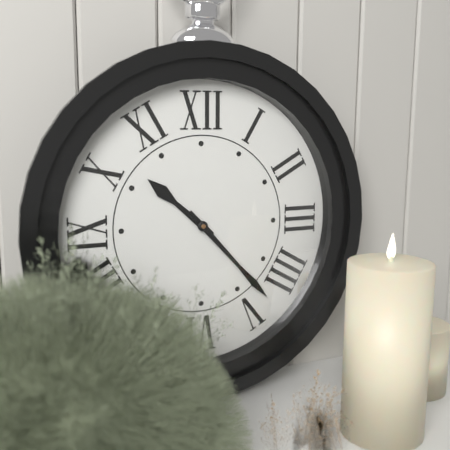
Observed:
10:23
